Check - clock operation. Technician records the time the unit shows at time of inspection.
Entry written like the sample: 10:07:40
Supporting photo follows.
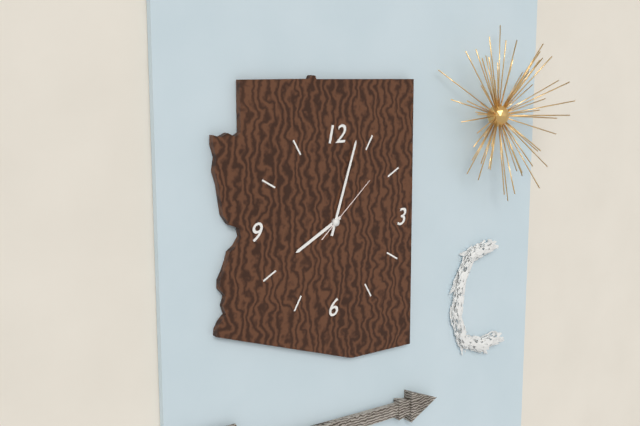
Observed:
8:03:08
